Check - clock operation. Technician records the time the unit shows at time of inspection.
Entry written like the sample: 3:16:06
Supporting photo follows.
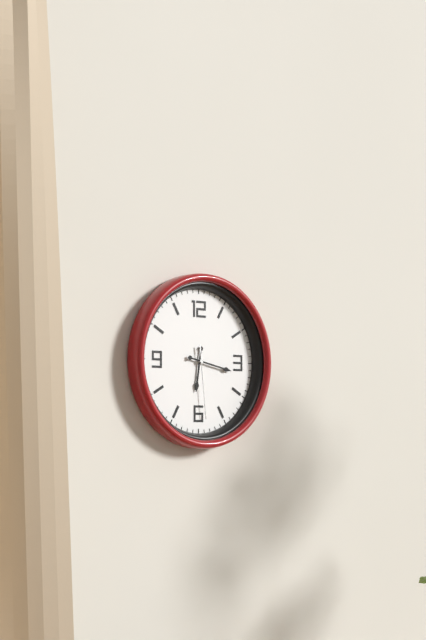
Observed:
6:17:29
